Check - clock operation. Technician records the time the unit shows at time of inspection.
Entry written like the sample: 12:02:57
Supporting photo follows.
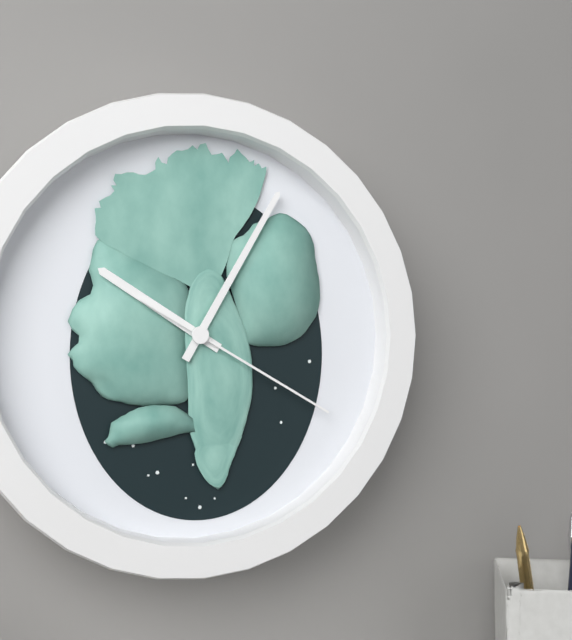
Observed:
10:05:20
